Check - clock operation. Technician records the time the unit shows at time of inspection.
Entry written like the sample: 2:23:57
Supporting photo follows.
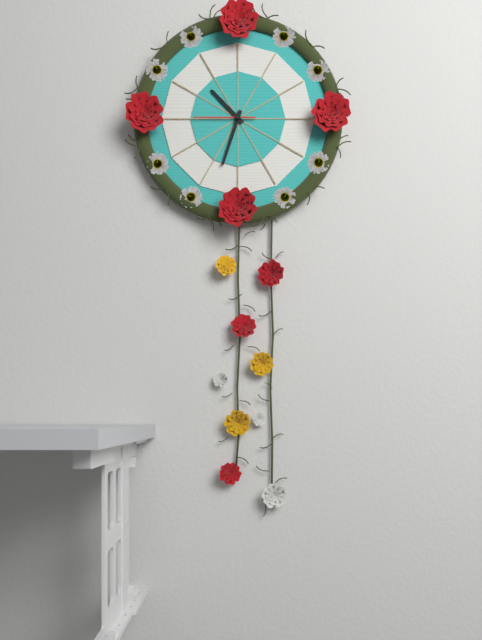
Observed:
10:33:45
